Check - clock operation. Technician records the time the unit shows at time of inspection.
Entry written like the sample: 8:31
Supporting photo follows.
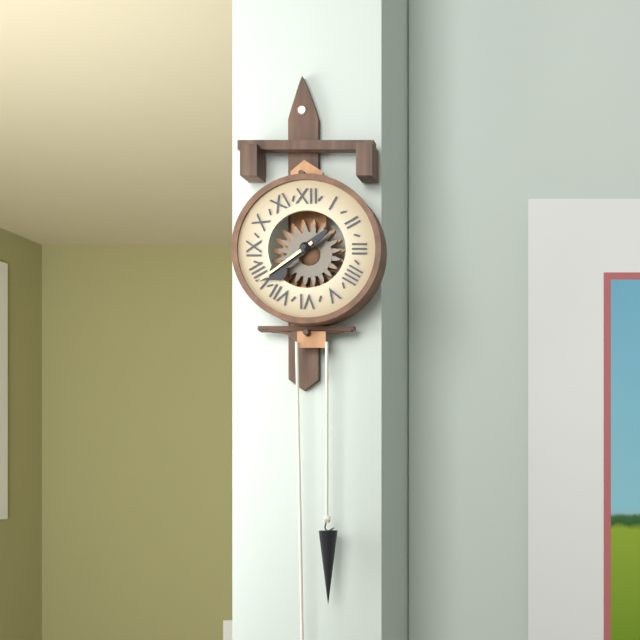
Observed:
7:39
